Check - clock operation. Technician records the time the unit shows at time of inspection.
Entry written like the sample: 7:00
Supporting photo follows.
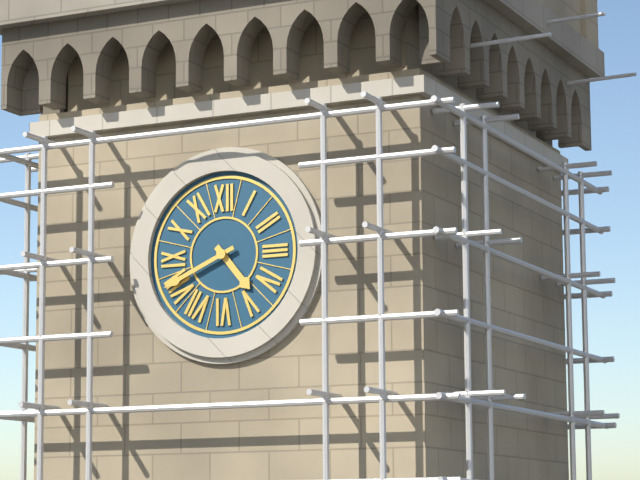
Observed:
4:41
